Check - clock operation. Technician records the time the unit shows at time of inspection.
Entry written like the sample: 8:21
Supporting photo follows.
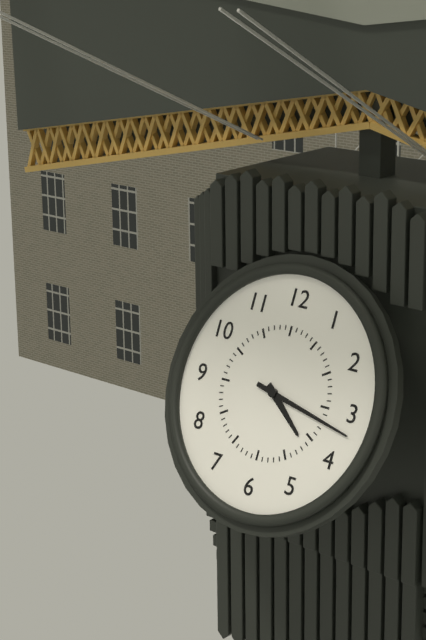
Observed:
4:17
